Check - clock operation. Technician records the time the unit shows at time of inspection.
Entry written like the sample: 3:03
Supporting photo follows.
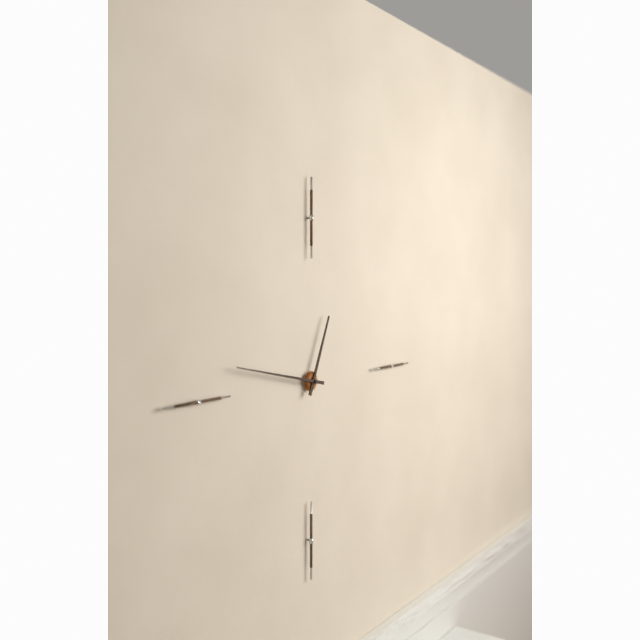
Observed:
12:47
